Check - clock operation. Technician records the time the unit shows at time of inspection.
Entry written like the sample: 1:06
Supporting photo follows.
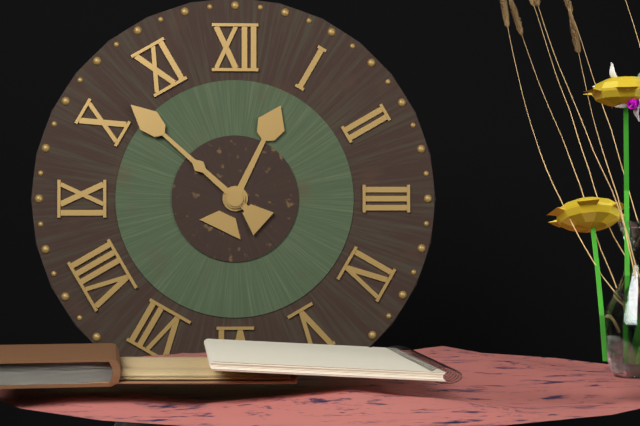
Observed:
12:52
